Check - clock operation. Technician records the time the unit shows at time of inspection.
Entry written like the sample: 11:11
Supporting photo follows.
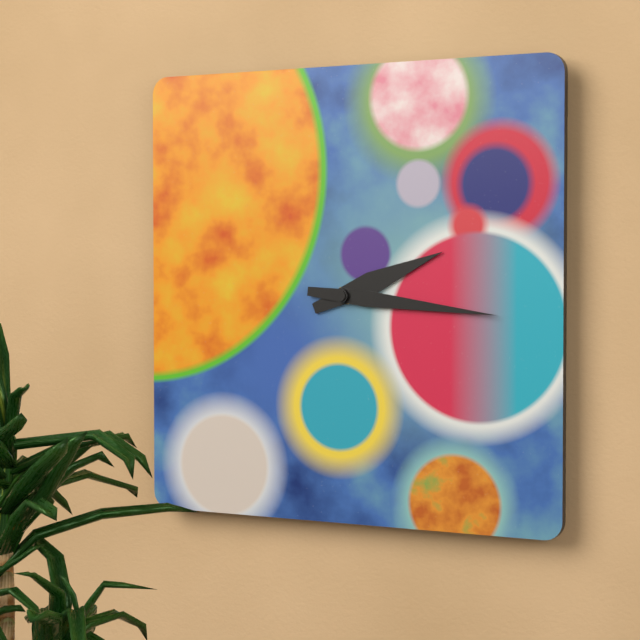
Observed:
2:16
